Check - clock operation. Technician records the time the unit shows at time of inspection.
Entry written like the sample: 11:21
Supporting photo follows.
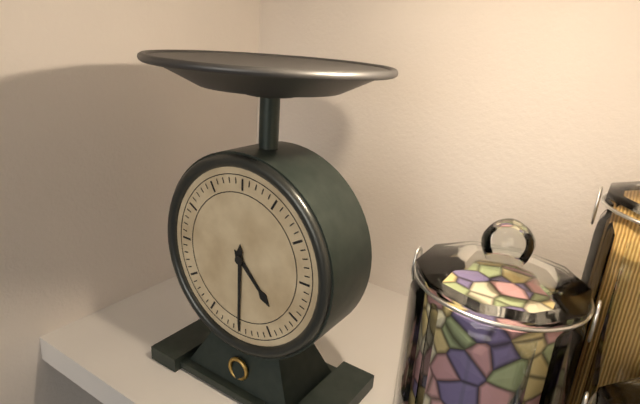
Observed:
4:30
